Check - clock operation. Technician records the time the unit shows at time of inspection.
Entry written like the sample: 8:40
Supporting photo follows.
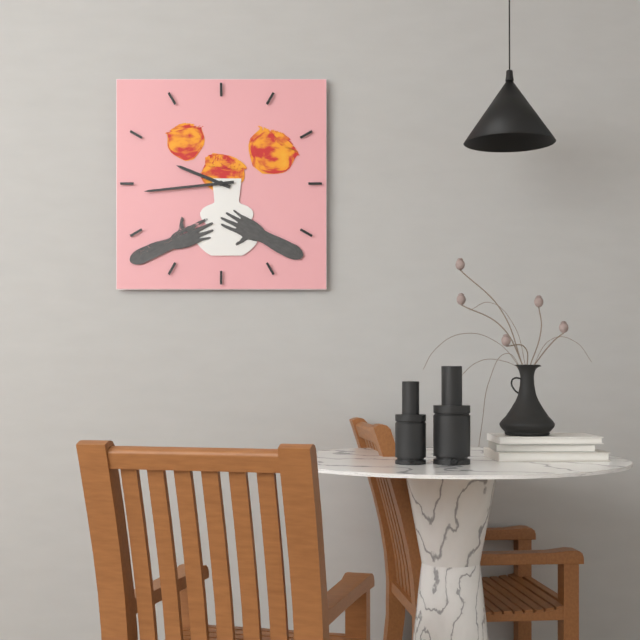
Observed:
9:44
